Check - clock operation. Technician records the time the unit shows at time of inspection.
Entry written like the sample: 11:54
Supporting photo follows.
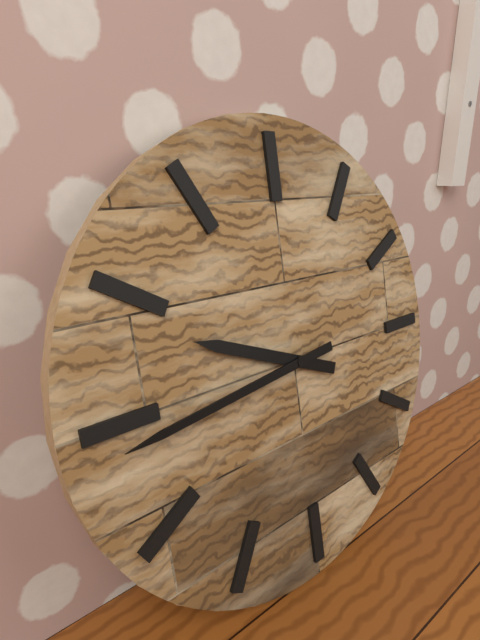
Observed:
9:44
